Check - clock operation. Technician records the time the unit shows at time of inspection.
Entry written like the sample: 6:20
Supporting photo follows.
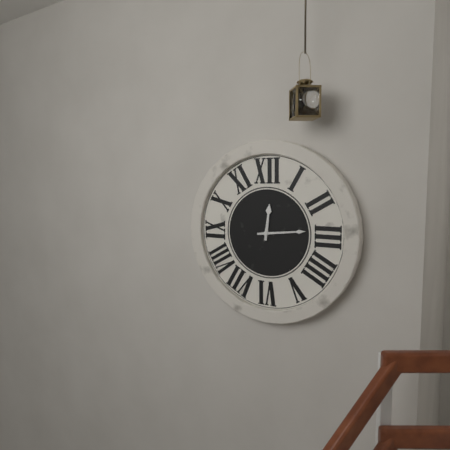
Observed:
12:14
